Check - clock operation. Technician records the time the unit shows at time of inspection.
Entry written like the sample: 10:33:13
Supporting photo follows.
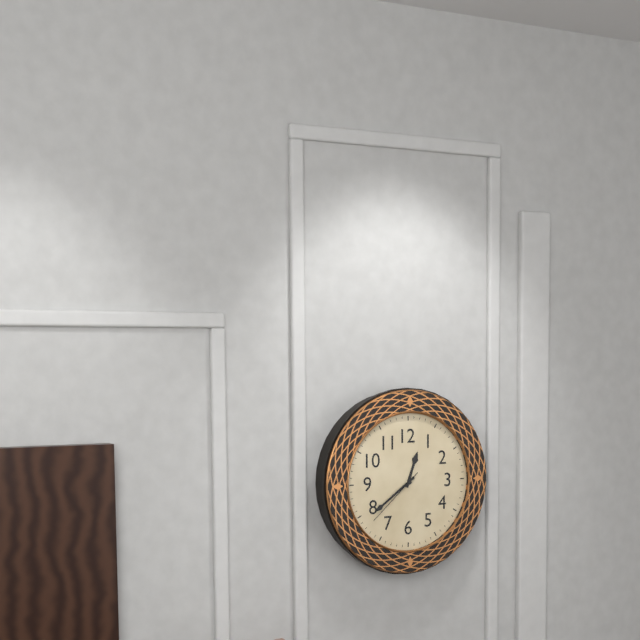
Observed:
12:39:38
